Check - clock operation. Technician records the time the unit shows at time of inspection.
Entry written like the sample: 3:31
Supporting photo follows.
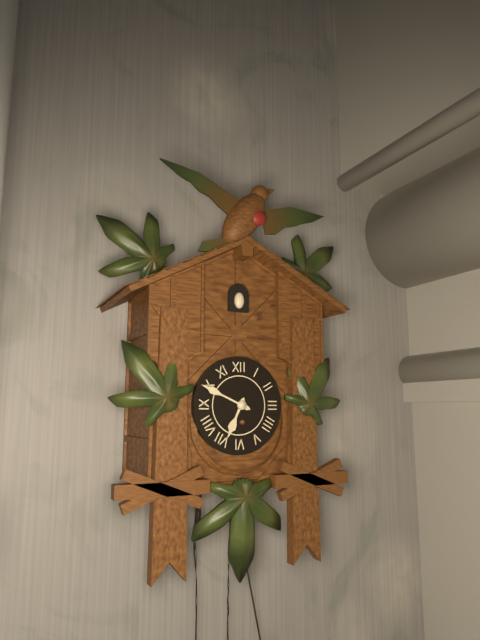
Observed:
6:49
